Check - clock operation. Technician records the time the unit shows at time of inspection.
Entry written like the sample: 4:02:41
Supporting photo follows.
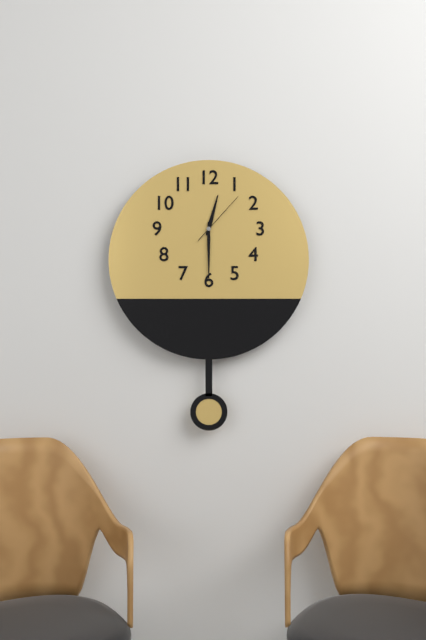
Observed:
12:30:07
